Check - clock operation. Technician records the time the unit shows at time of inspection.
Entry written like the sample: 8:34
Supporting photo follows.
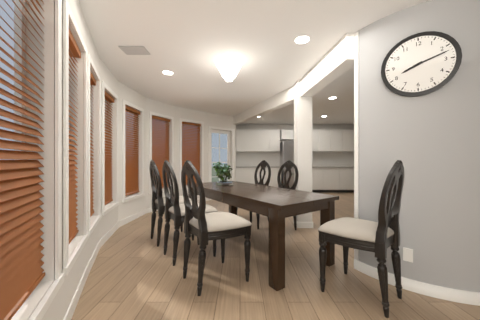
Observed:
8:12
